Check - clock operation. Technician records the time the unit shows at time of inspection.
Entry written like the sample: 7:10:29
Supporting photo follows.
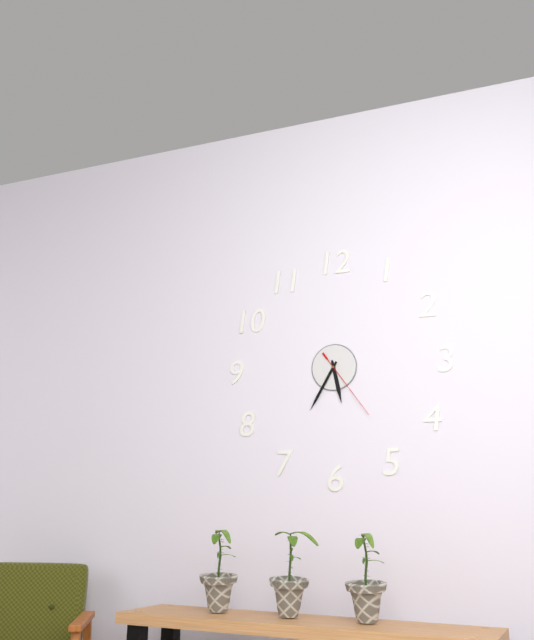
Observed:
5:35:24
